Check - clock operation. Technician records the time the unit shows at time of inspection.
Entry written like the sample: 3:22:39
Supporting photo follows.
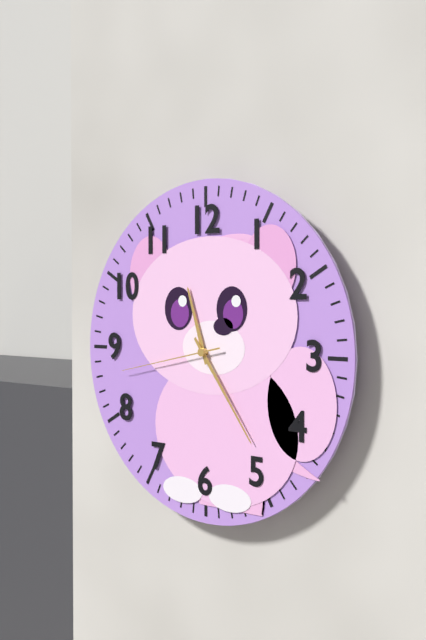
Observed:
11:24:43
